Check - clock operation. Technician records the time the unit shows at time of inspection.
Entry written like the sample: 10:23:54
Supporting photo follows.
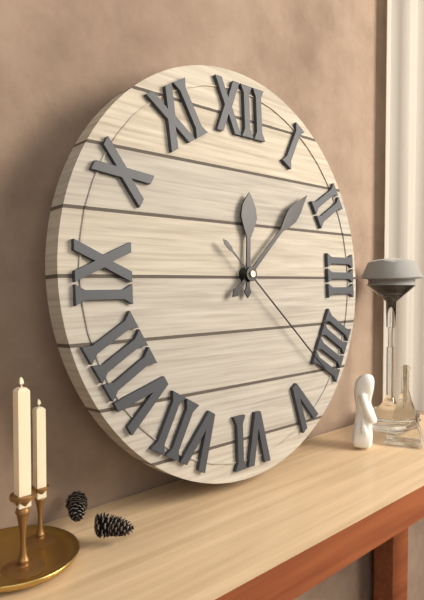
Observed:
12:08:22
